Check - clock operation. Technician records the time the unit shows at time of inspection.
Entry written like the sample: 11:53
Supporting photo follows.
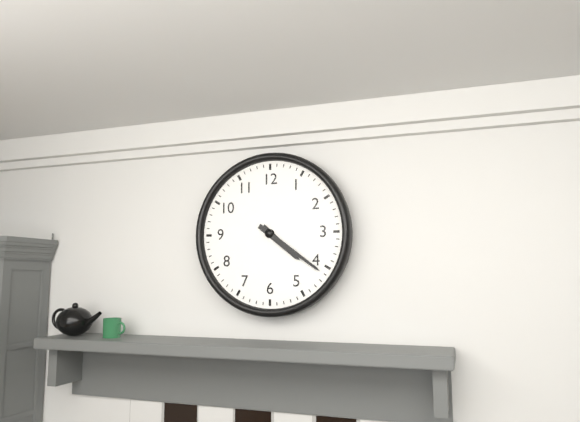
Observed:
4:21
